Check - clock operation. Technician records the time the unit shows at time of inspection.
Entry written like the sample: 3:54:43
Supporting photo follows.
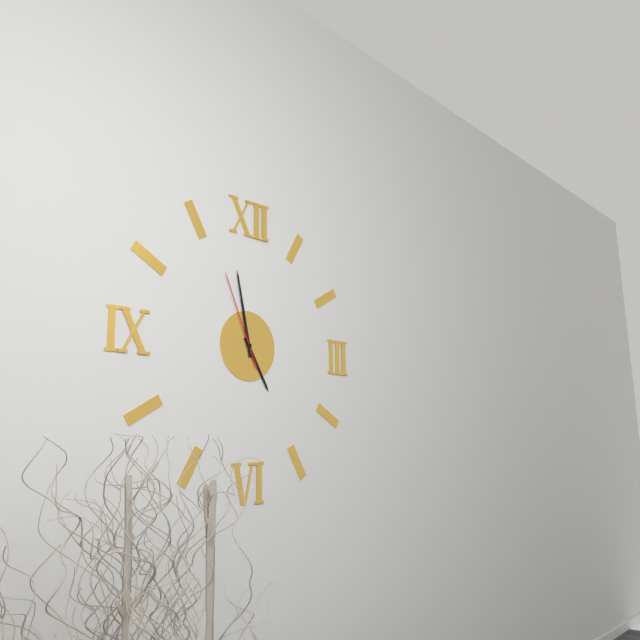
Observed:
4:58:56
